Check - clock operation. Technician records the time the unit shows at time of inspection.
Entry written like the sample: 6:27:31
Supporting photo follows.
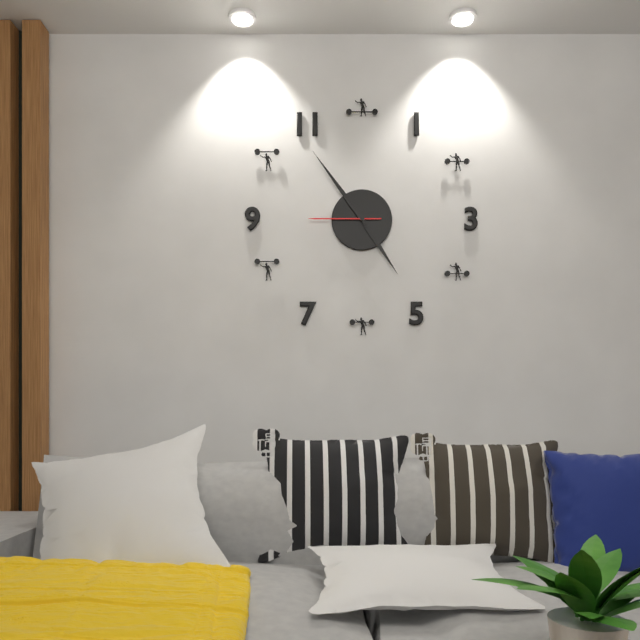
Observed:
4:54:45
